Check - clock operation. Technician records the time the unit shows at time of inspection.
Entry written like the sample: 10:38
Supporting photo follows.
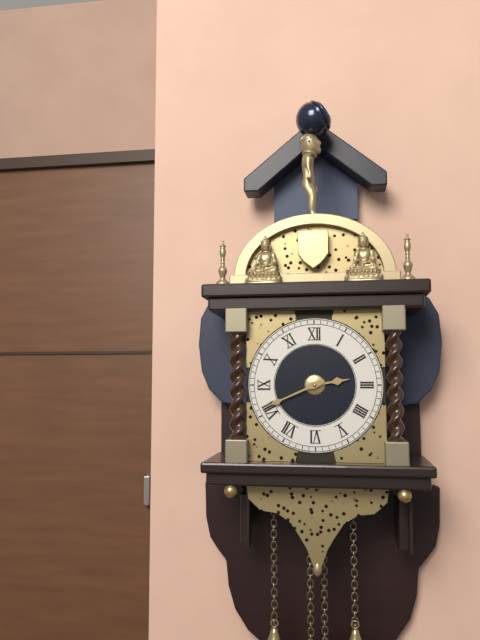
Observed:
2:41
